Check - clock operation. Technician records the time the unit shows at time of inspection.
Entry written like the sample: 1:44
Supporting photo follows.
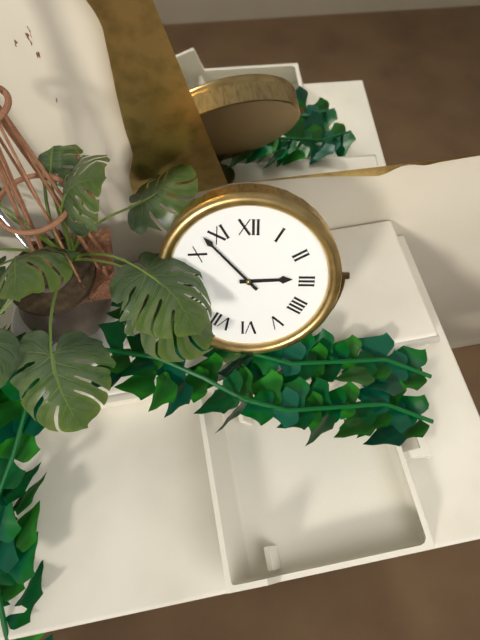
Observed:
2:53
